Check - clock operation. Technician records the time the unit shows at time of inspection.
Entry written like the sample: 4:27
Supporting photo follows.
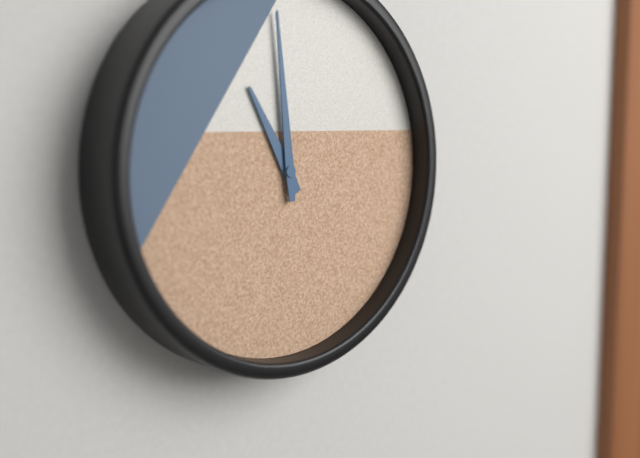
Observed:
10:59
